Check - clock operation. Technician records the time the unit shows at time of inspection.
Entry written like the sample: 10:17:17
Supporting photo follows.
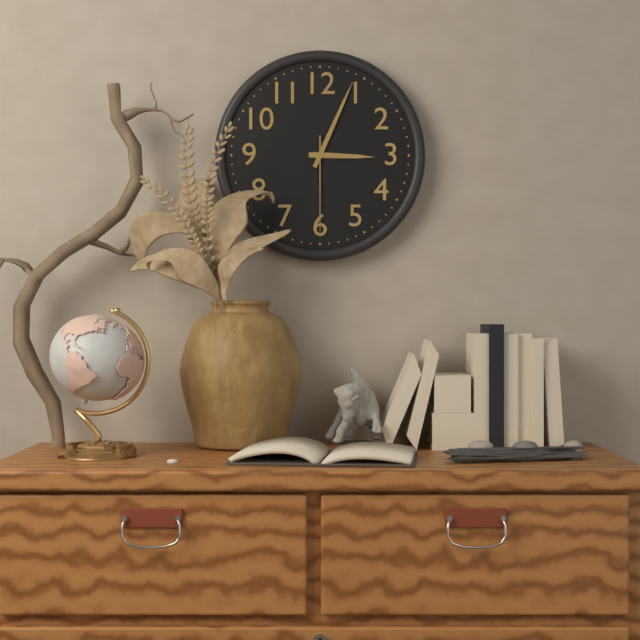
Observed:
3:04:30
